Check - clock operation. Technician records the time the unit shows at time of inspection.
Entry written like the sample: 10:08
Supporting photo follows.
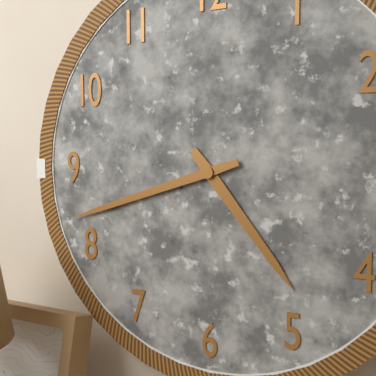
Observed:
4:42
